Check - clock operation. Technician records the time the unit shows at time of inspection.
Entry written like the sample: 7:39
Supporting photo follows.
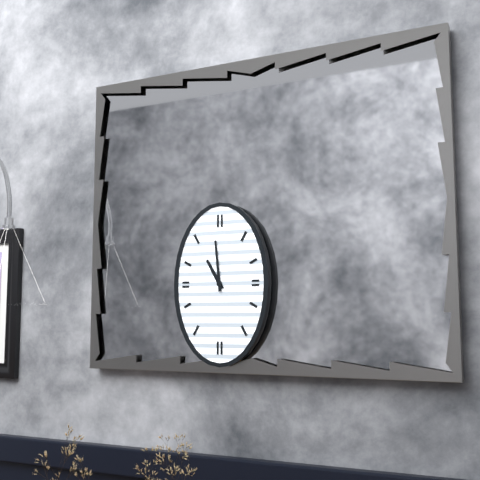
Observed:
10:59
